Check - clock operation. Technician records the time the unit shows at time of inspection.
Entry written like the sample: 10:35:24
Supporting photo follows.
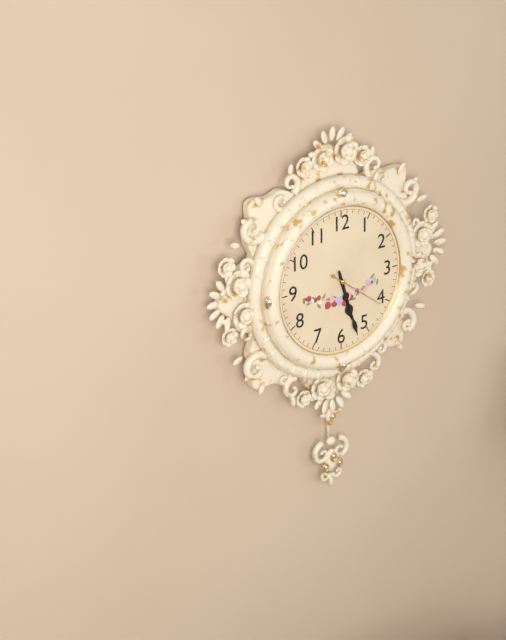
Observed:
5:27:21
